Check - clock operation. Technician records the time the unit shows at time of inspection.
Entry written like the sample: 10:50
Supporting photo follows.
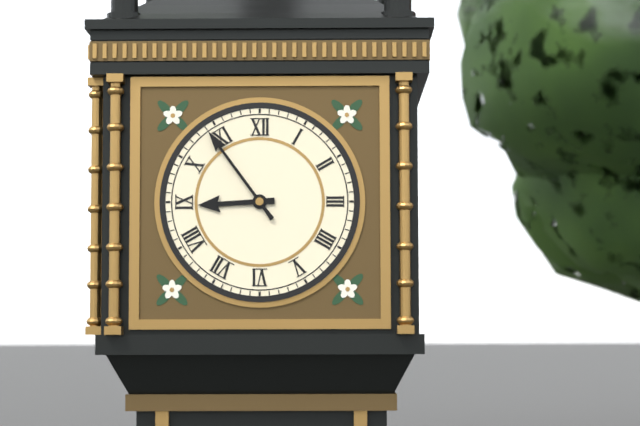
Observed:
8:54
